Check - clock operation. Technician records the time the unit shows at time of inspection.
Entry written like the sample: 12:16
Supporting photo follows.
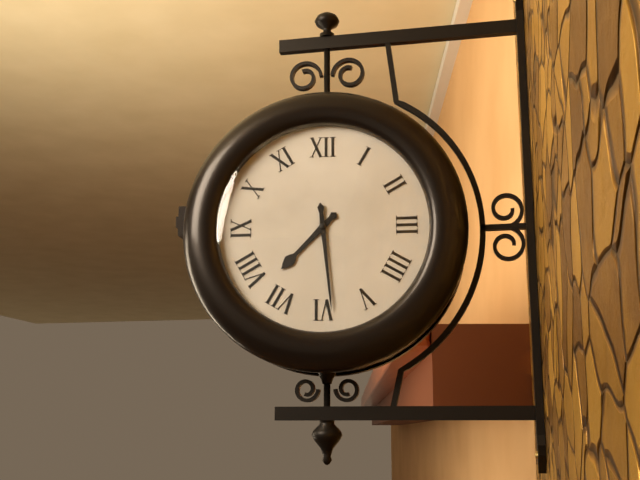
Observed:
7:29
